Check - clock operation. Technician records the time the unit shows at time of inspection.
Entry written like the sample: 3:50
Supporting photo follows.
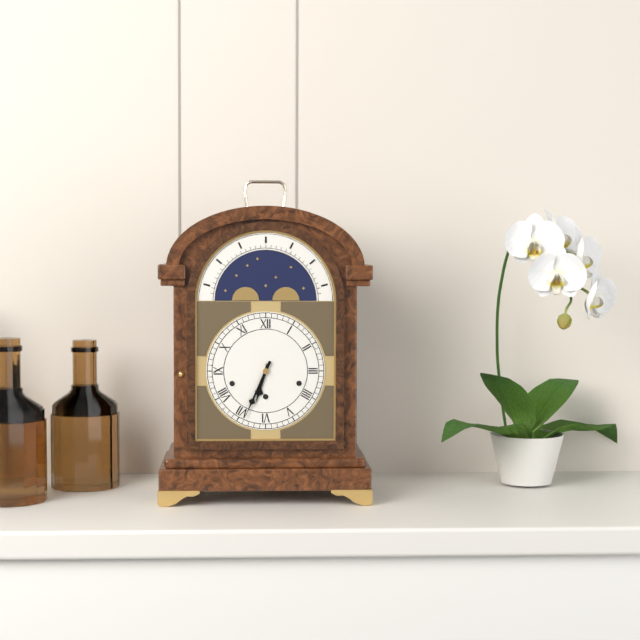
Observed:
6:34
